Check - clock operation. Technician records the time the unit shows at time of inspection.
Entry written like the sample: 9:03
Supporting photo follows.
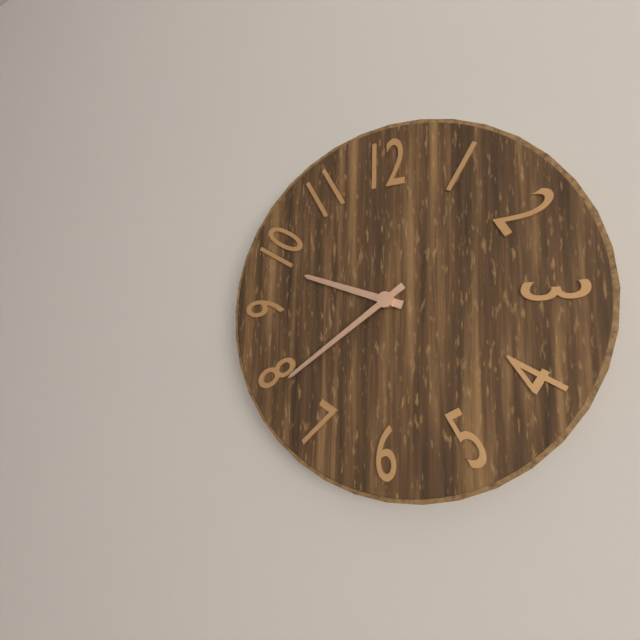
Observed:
9:39
